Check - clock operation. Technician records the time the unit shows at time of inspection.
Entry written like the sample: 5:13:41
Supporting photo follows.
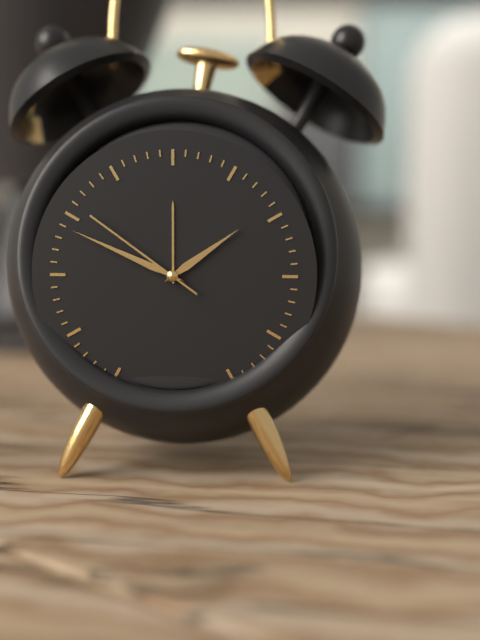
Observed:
1:49:51
